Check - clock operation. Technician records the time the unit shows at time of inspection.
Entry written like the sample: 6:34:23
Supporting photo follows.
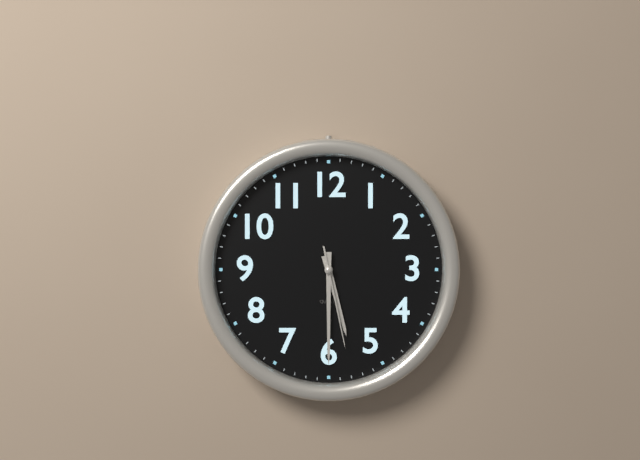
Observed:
5:30:28
